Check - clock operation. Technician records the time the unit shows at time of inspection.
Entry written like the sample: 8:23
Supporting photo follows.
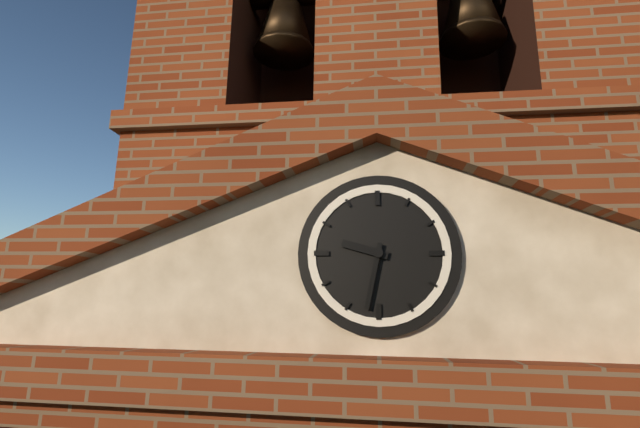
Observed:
9:32
